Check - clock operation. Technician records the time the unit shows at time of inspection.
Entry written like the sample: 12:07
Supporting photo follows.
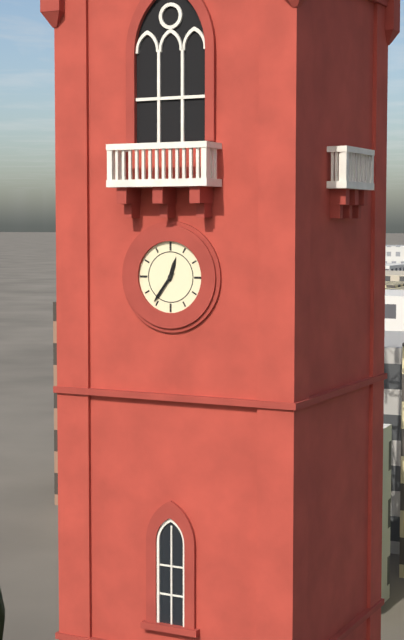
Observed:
12:36
